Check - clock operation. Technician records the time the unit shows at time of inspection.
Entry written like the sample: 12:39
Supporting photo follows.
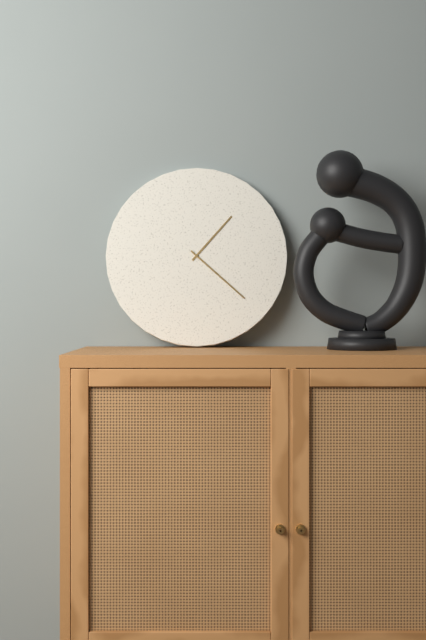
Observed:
1:22
